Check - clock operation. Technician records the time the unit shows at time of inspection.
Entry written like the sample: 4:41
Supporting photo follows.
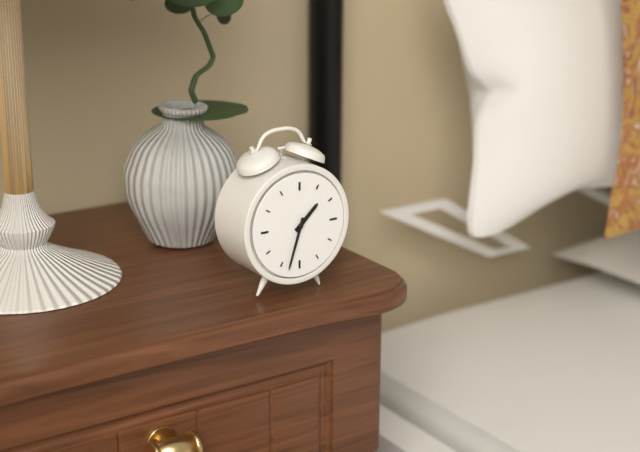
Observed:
1:33
